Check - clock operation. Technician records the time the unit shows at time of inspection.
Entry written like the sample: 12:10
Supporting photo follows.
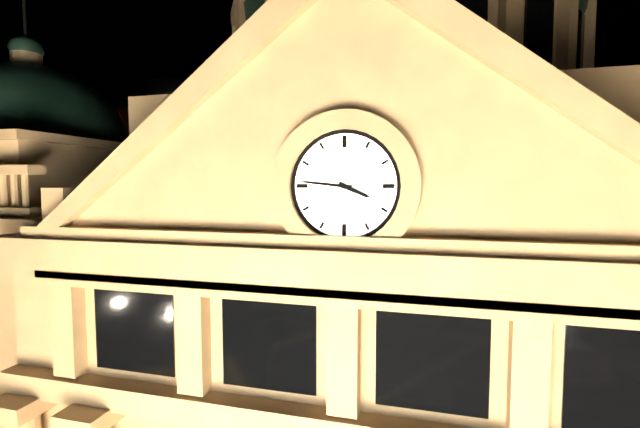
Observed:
3:46
